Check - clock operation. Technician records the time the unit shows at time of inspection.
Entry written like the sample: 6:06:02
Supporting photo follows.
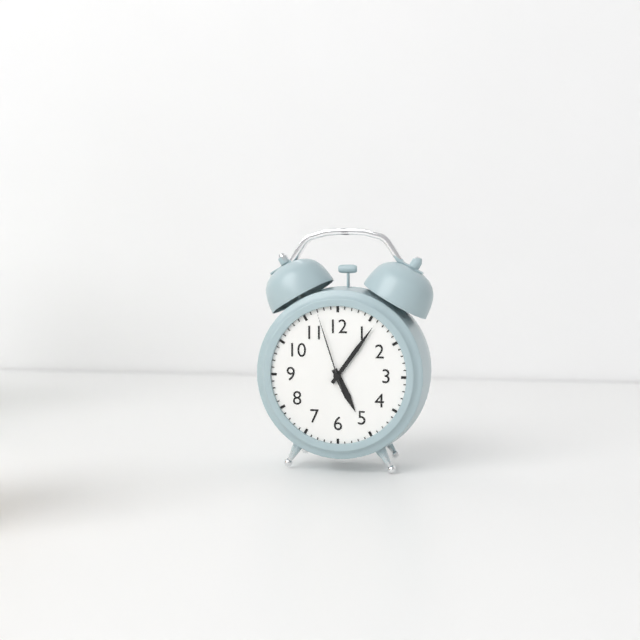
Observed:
5:06:57
